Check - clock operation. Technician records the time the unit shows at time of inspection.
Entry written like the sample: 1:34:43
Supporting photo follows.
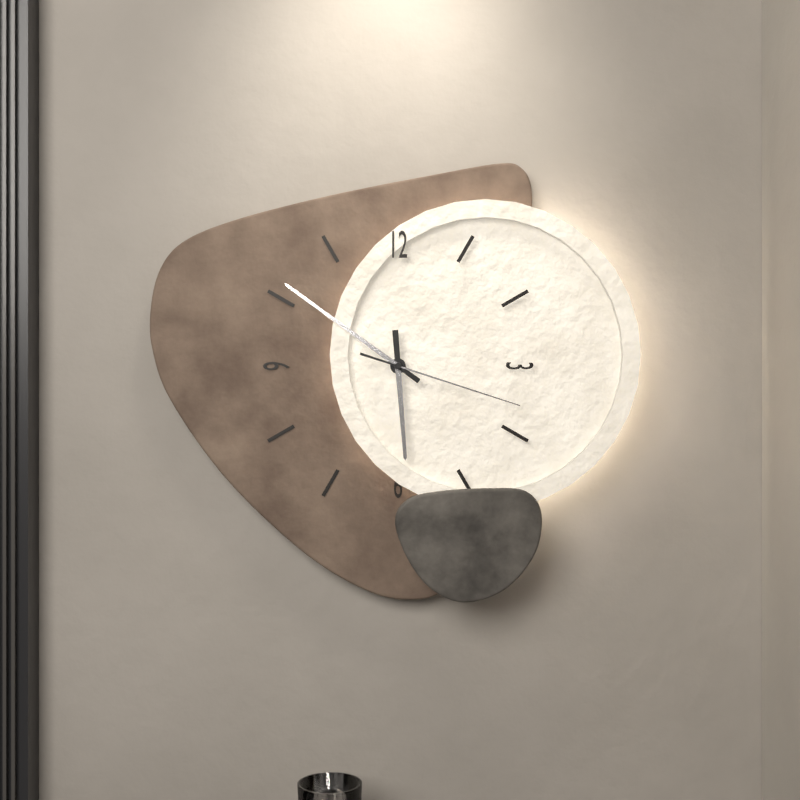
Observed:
5:51:18
